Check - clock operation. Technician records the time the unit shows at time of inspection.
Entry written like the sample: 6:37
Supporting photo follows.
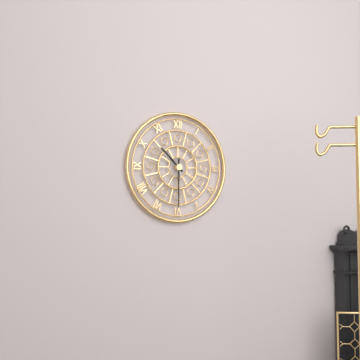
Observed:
10:30
